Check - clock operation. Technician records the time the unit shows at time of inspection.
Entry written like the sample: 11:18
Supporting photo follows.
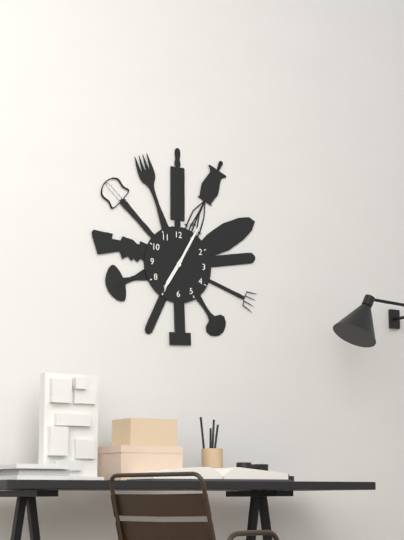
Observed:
7:05
